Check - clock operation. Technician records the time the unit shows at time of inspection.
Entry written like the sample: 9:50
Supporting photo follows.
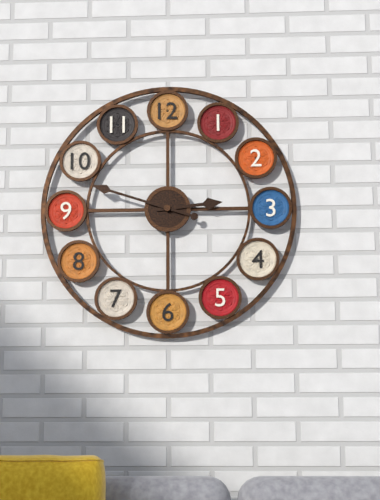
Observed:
2:48
